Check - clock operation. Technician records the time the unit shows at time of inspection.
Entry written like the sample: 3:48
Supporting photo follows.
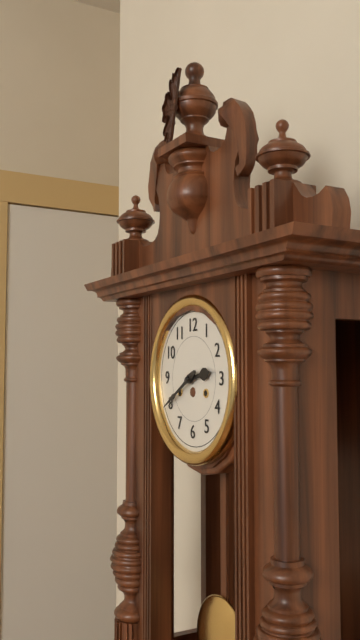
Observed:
2:40
